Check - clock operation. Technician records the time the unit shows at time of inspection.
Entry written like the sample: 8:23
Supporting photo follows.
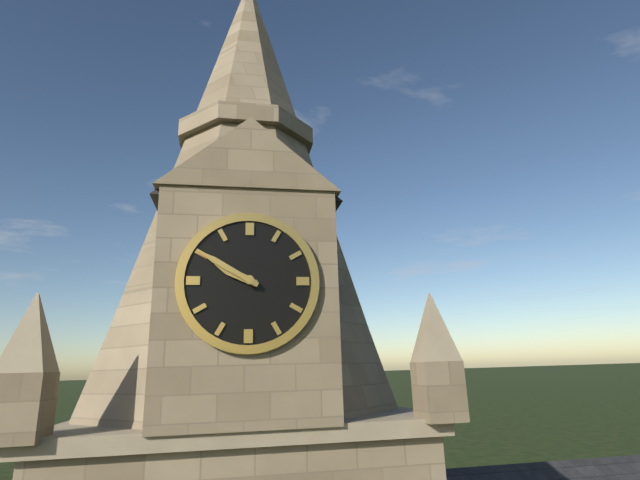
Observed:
9:50
